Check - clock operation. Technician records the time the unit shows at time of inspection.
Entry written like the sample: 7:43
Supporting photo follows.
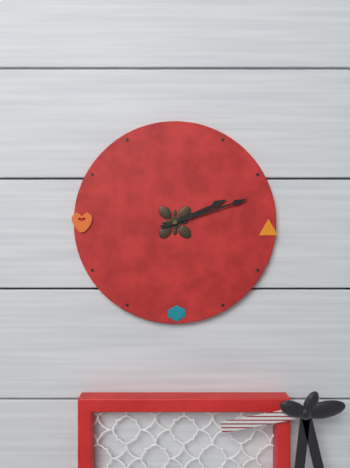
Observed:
2:12
